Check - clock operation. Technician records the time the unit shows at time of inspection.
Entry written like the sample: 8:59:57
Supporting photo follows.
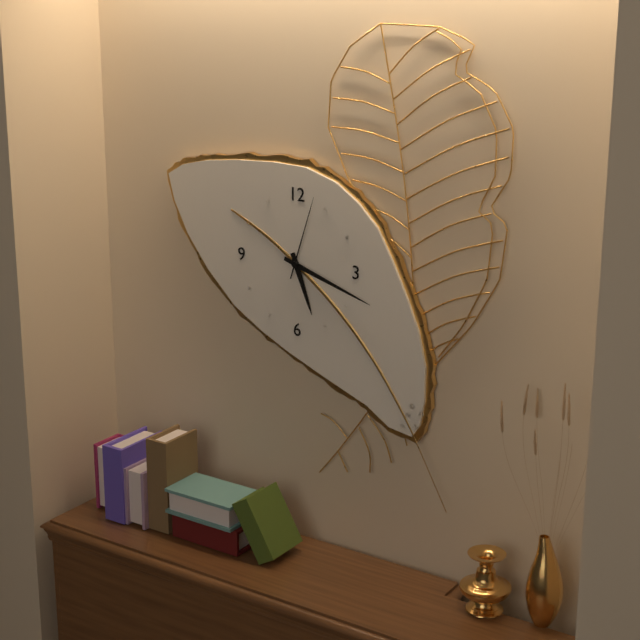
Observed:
5:18:03
